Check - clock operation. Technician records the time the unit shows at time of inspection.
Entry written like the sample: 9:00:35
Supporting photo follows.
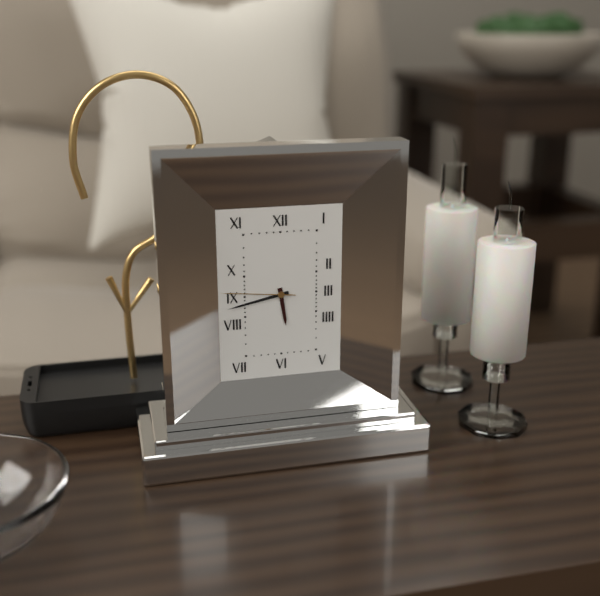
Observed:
5:43:46
